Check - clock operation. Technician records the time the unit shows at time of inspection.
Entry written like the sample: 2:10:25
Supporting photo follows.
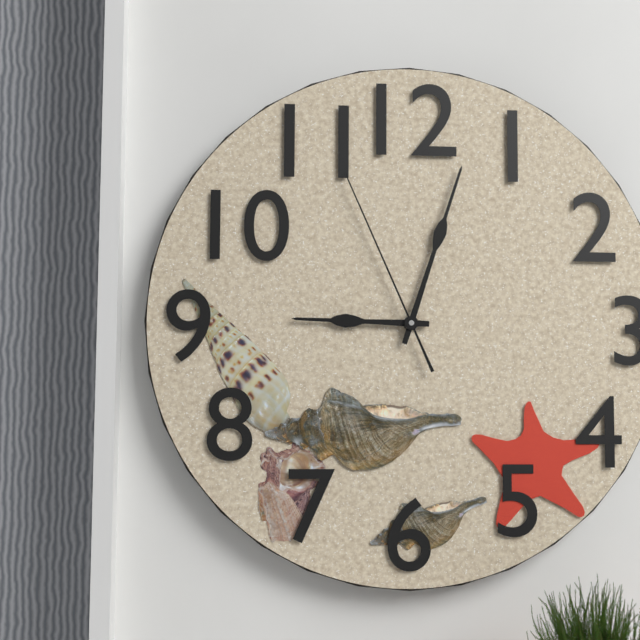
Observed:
9:03:56
